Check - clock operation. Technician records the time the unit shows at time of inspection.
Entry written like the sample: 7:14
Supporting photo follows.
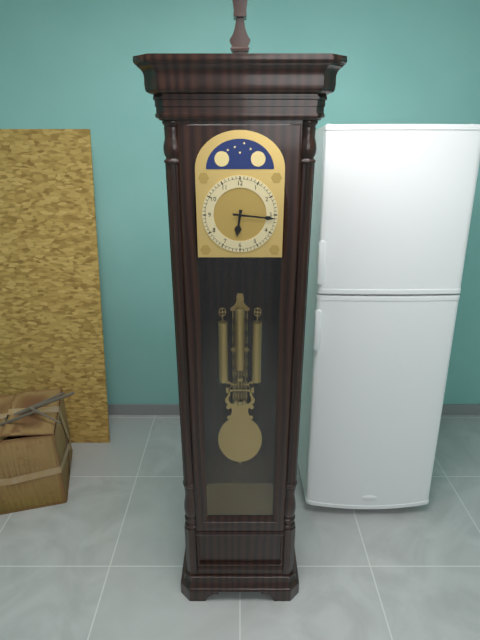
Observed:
6:16
